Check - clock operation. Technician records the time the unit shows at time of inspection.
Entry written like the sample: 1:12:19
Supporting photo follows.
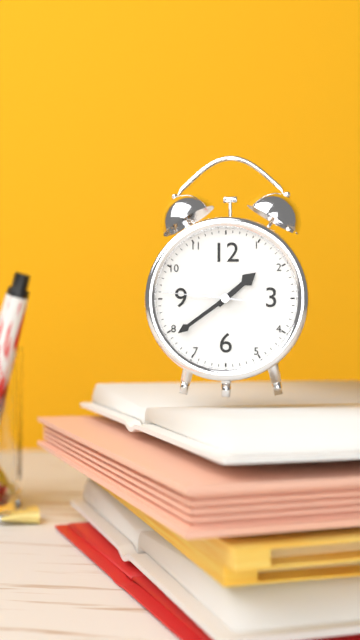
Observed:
1:39:46
